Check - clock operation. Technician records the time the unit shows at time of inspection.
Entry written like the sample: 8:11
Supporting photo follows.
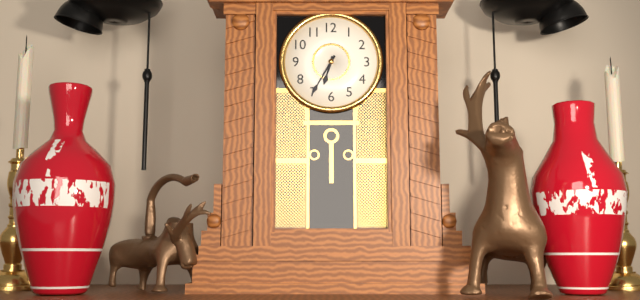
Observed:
6:35
